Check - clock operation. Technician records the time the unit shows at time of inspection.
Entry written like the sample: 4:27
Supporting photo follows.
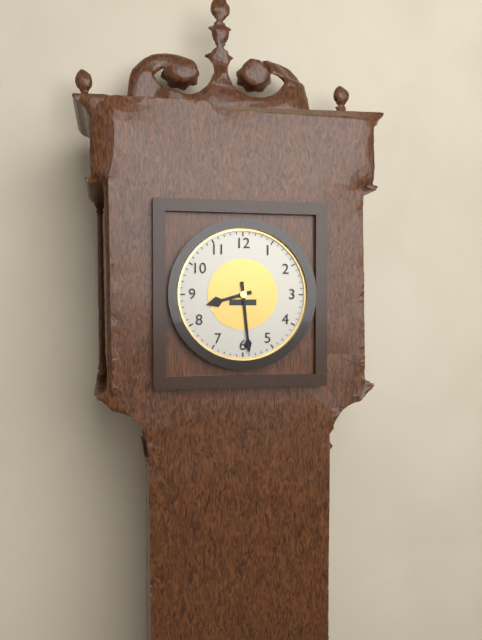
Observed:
8:29
